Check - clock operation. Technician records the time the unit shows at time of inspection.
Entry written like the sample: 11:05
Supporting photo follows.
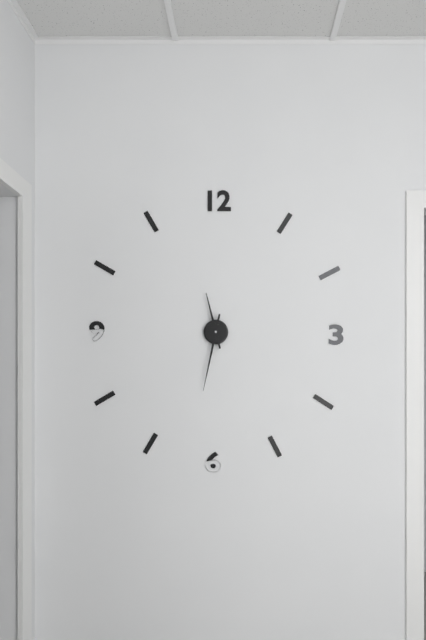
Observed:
11:32
